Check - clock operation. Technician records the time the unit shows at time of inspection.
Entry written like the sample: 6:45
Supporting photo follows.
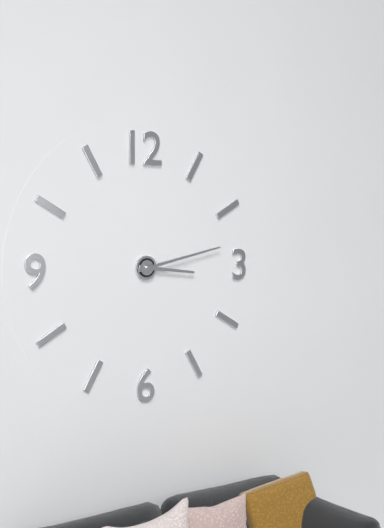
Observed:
3:13
